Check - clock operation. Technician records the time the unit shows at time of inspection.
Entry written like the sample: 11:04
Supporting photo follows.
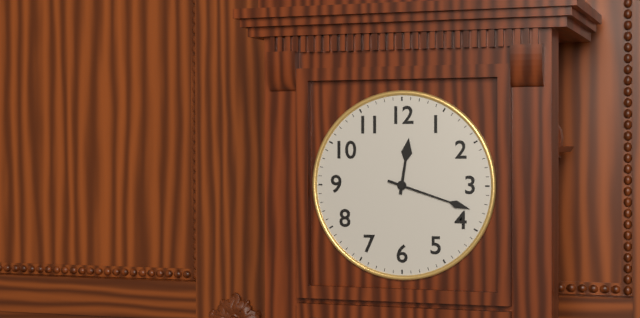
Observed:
12:18
